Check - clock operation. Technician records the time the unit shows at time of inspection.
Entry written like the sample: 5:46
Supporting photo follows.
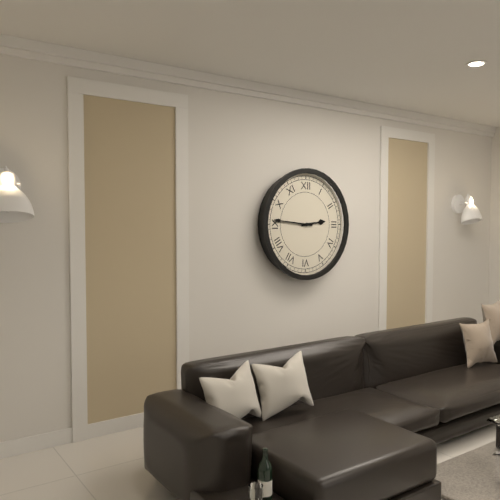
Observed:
2:46
